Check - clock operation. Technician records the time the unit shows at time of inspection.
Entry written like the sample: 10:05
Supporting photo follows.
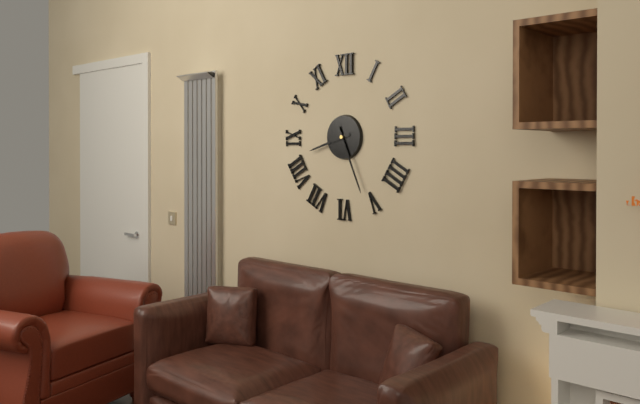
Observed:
8:26
